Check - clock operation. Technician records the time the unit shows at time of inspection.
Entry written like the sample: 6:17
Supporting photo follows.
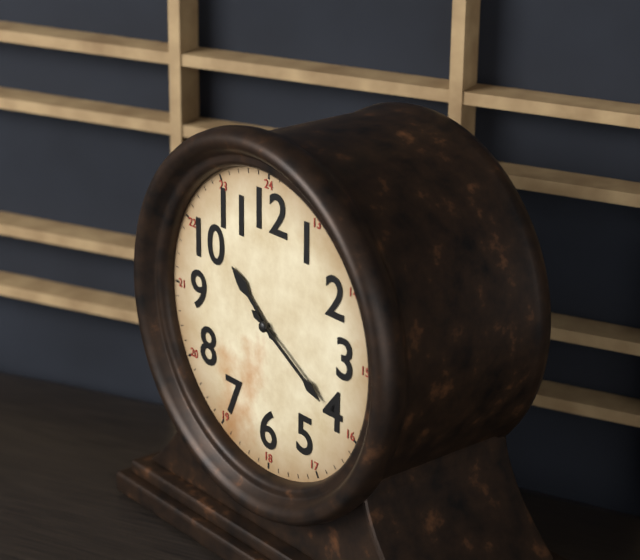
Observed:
10:20
